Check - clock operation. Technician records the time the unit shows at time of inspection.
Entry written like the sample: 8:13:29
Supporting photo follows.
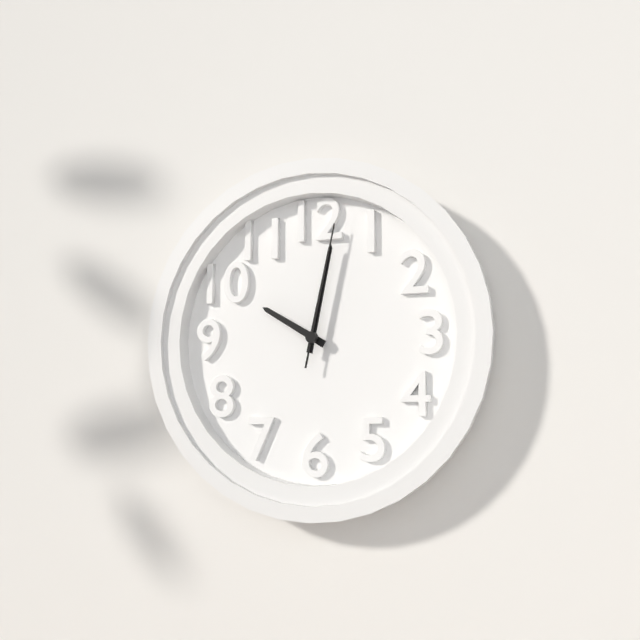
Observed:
10:02:02
